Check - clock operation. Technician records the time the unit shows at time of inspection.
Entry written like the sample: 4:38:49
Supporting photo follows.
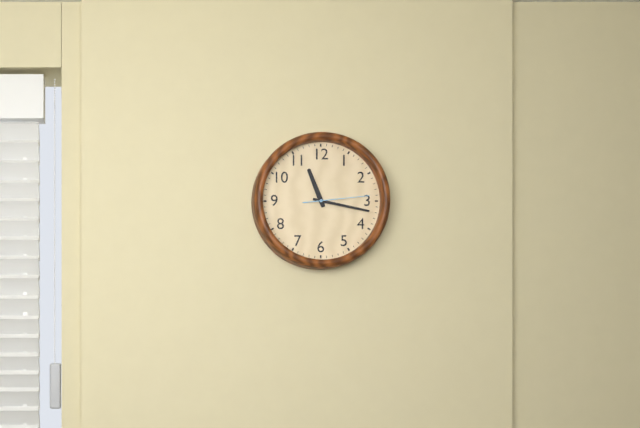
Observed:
11:17:14
